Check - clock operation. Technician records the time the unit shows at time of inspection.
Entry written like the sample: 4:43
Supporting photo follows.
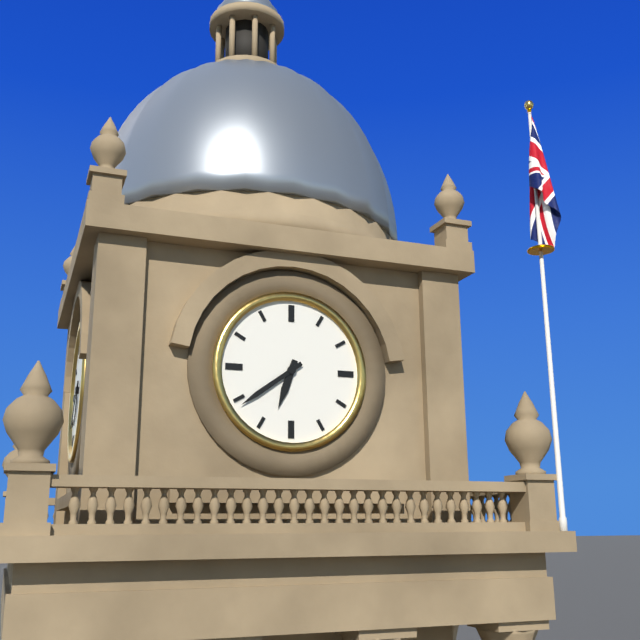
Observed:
6:39
